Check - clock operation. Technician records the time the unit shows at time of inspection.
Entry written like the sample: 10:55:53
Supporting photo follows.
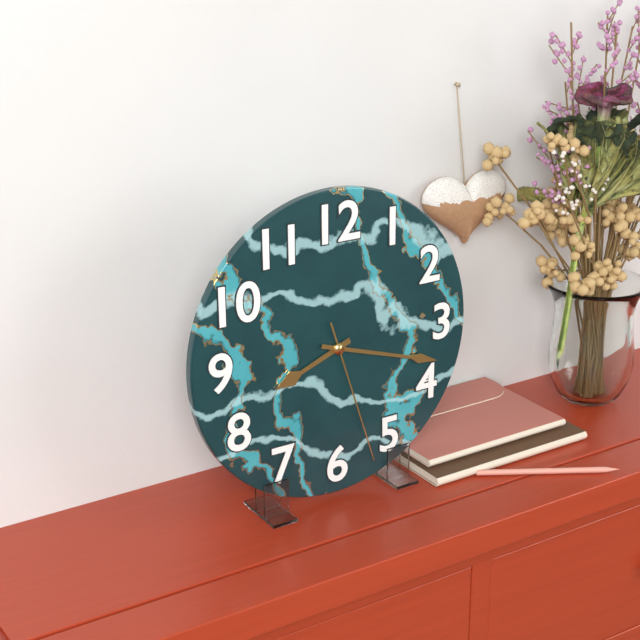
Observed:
8:18:27
